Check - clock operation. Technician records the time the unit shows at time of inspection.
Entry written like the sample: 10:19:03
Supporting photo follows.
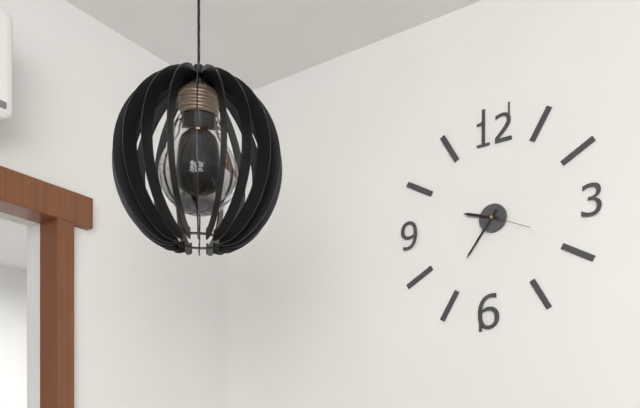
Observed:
9:36:19
